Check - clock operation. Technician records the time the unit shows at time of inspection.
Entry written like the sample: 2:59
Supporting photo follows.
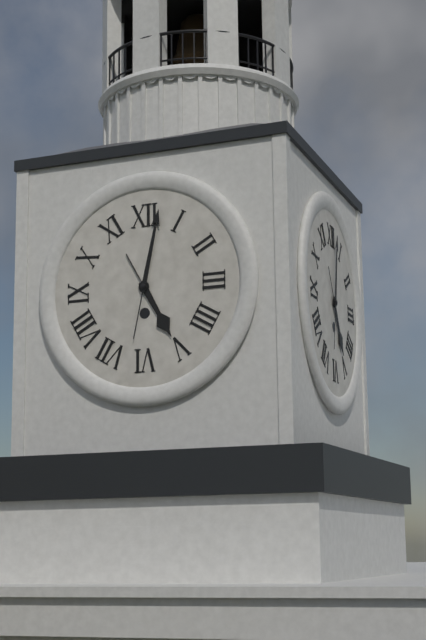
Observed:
5:02
